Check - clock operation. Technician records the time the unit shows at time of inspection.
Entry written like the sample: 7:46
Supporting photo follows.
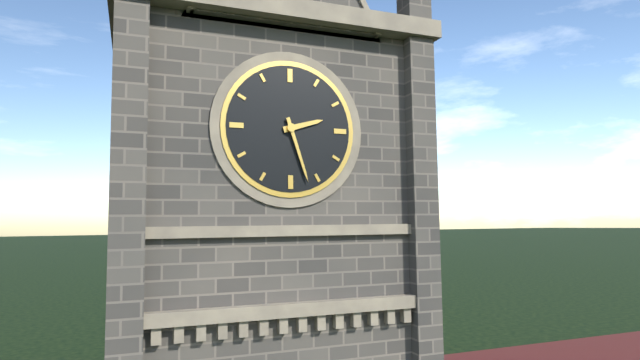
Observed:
2:27
